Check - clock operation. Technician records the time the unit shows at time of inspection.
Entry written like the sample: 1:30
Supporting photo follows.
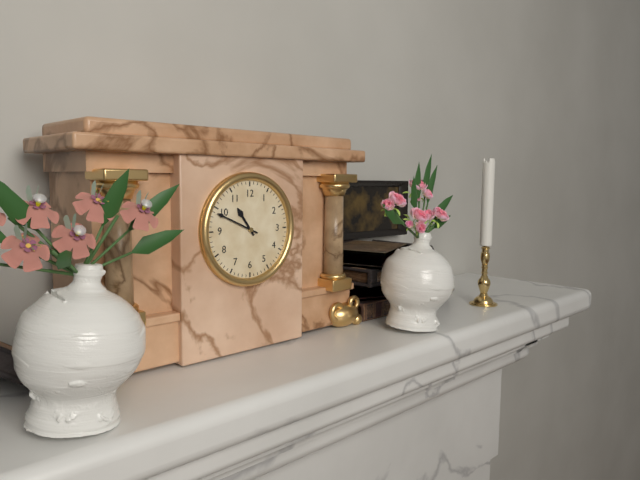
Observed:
10:49
